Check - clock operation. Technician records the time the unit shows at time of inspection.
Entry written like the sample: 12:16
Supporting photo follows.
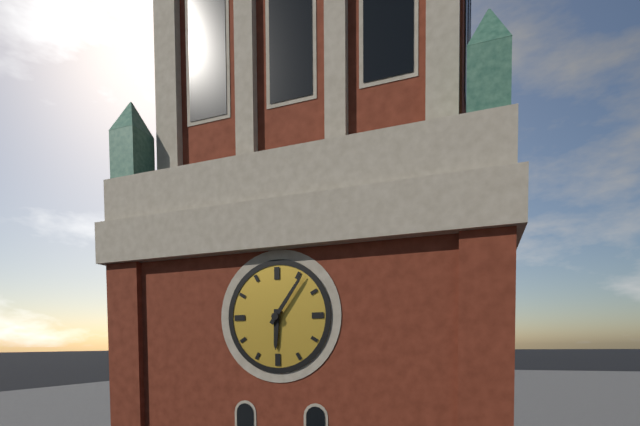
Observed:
6:06
